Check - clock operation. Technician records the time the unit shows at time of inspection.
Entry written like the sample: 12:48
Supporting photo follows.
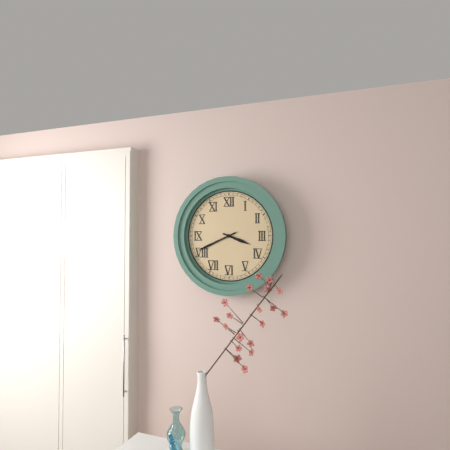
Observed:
3:41
